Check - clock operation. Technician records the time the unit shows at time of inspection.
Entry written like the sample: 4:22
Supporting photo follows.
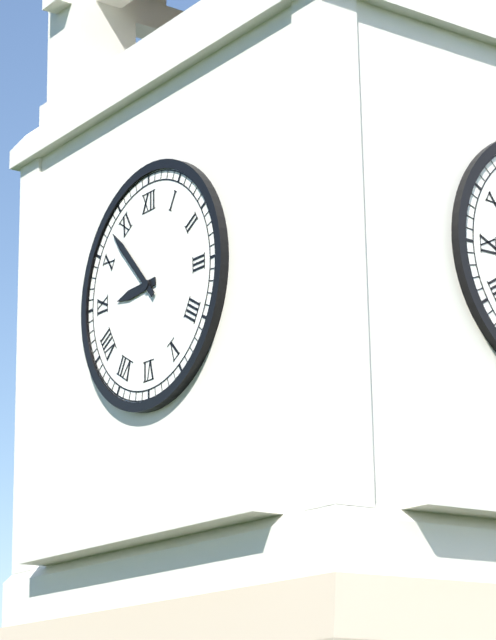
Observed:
8:53
